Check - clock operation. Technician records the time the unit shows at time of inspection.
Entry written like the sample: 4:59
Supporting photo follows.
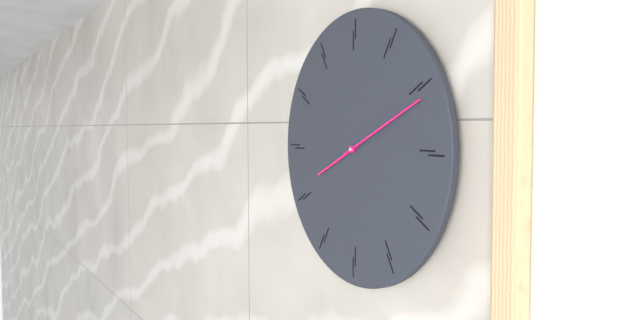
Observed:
8:11
